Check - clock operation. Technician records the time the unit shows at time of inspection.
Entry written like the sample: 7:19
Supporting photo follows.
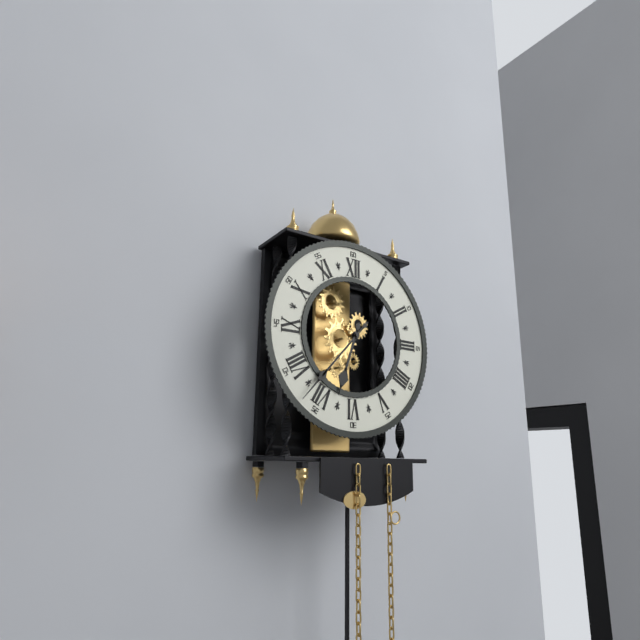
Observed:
6:37
